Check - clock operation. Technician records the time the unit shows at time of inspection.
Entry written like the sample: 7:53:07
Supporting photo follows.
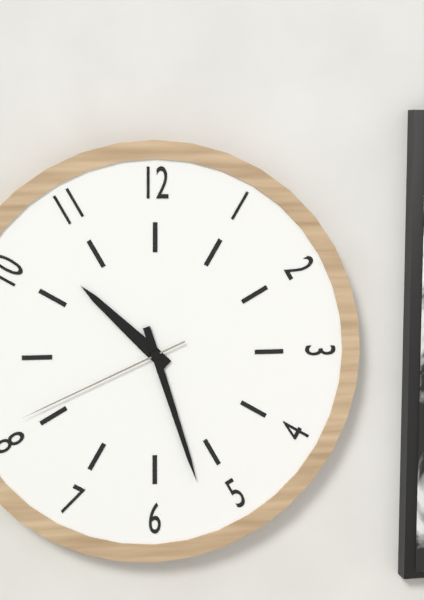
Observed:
10:27:41
